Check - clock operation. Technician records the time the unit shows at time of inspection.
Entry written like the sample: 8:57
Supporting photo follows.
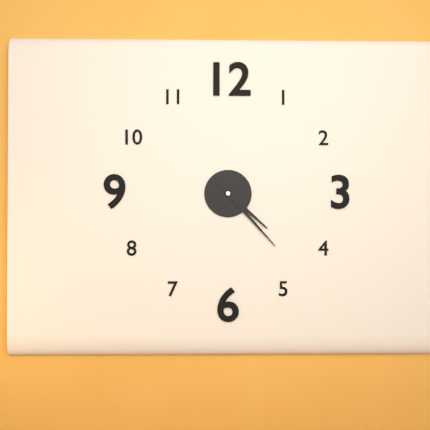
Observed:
4:23
